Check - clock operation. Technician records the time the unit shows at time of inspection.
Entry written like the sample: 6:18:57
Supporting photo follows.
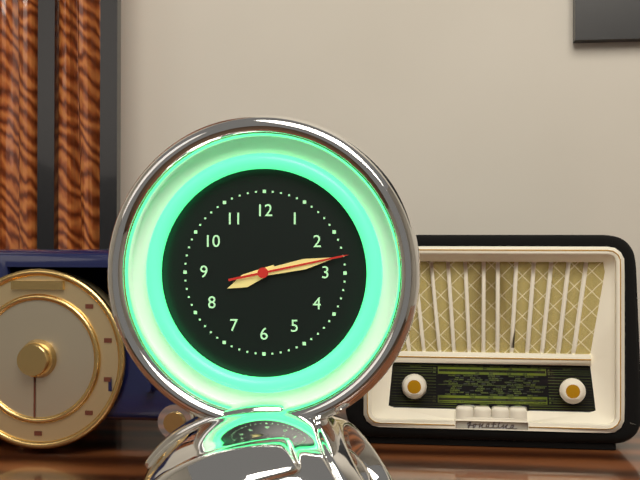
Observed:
8:13:13
